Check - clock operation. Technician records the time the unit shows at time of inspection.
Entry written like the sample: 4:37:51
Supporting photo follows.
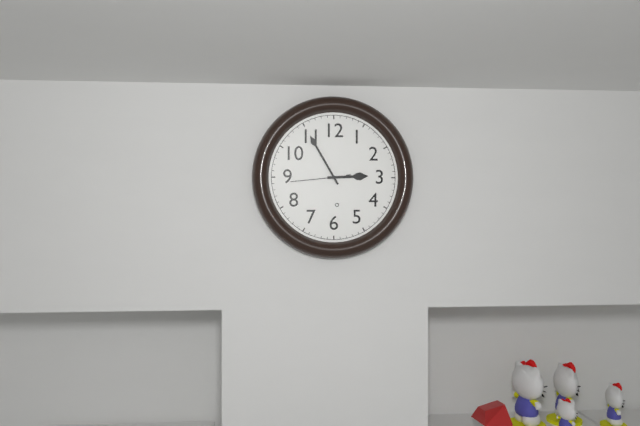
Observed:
2:55:44
